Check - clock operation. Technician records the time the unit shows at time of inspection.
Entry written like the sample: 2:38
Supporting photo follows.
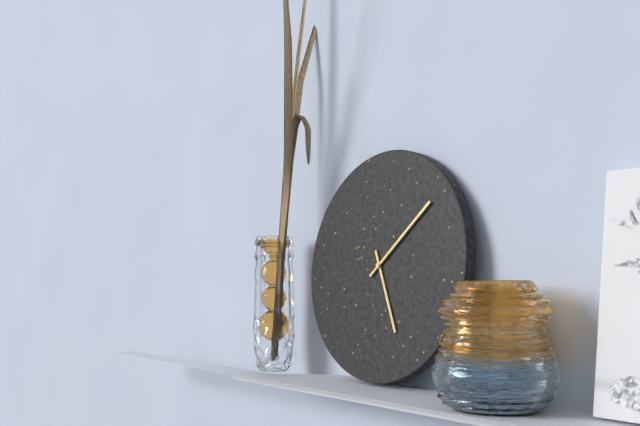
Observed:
5:08
